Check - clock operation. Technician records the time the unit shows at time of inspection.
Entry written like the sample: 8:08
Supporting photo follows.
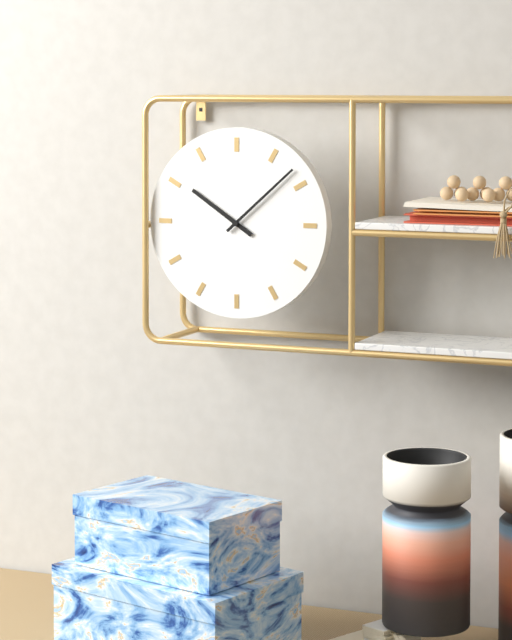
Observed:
10:08
